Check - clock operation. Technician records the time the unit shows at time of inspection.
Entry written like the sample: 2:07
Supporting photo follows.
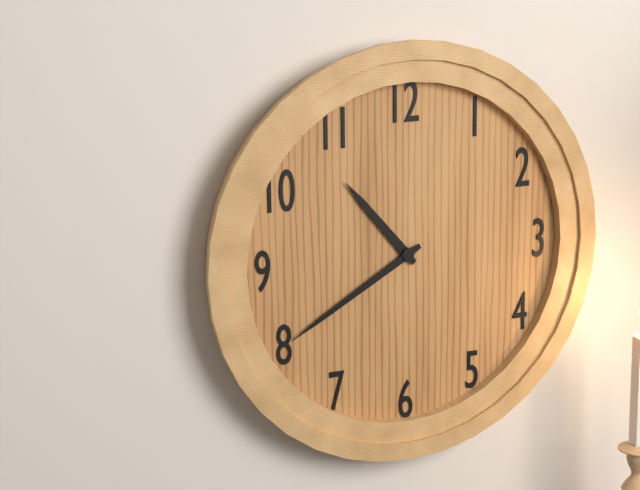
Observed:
10:40
